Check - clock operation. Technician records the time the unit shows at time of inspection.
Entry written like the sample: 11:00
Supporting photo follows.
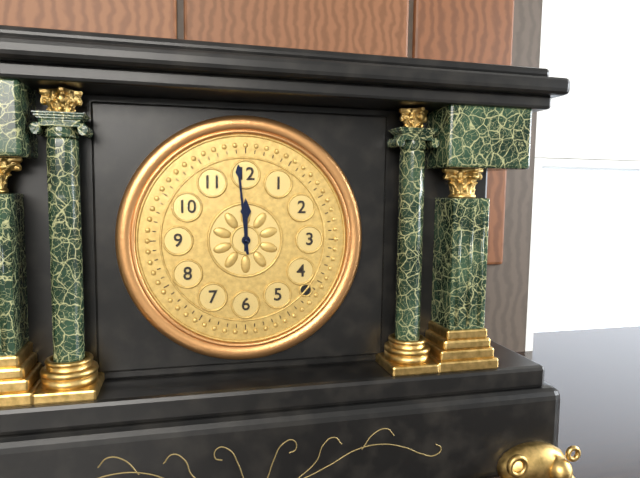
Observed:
11:59
